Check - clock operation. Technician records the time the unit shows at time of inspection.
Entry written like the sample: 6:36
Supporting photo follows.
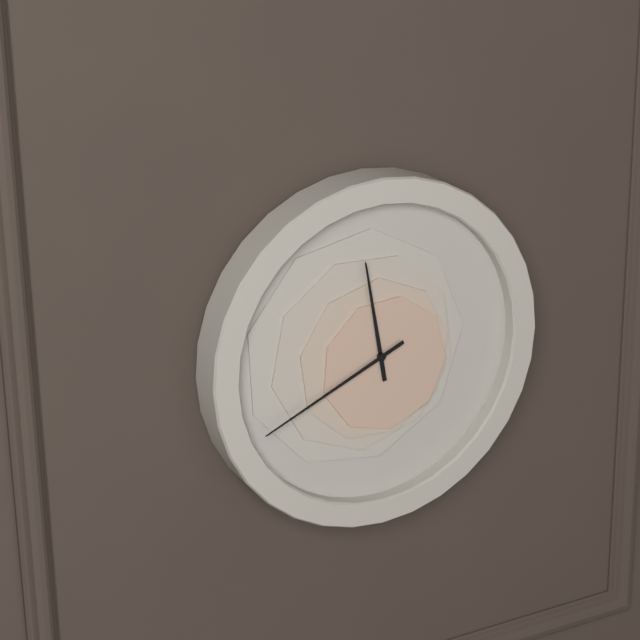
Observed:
11:41
